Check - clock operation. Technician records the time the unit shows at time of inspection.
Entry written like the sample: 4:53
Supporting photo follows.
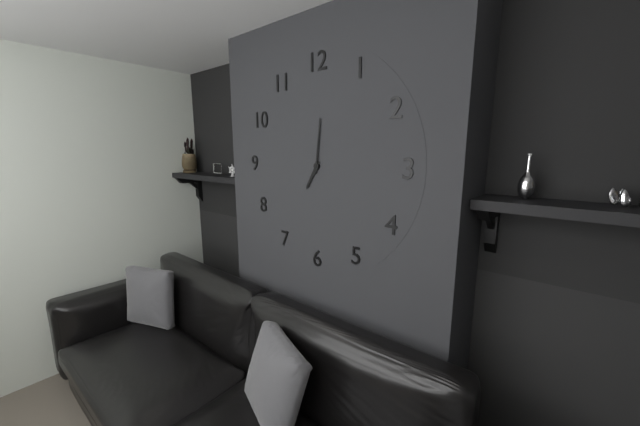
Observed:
7:01
